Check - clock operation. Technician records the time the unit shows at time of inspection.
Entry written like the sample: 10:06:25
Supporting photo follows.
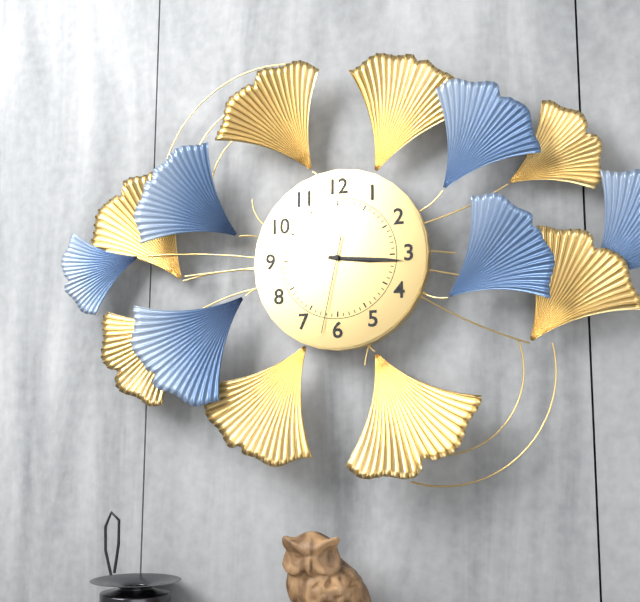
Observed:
3:16:32
